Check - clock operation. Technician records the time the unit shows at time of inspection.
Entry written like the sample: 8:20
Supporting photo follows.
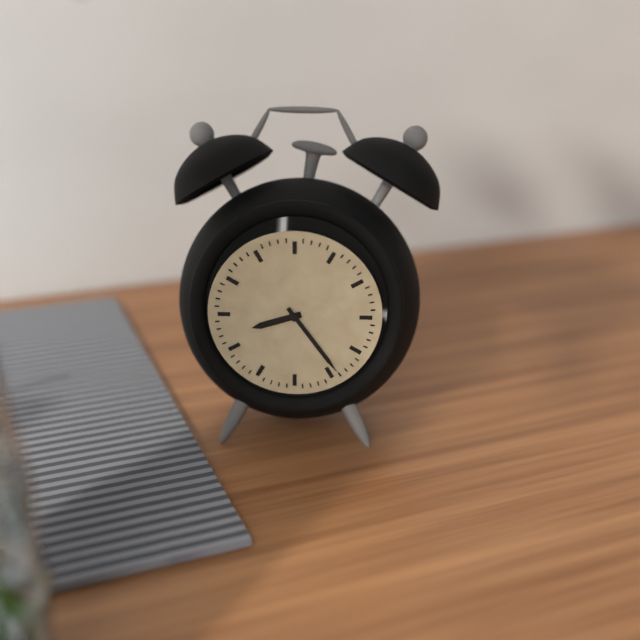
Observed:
8:24
